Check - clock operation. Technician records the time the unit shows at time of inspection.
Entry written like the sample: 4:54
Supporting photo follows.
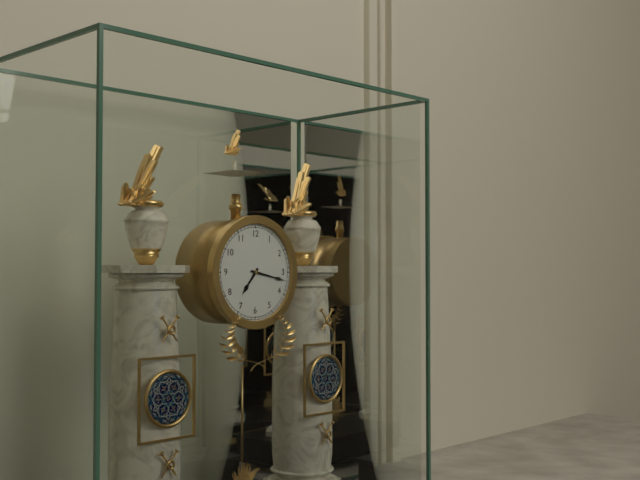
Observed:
7:17
